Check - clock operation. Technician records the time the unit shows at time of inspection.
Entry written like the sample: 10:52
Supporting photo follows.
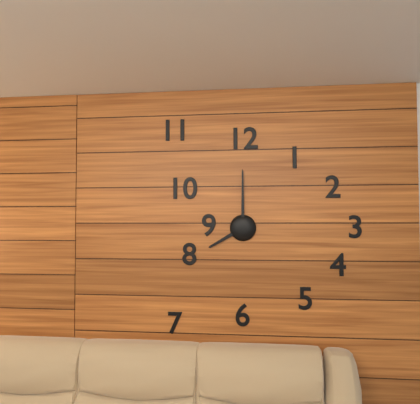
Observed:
8:00
